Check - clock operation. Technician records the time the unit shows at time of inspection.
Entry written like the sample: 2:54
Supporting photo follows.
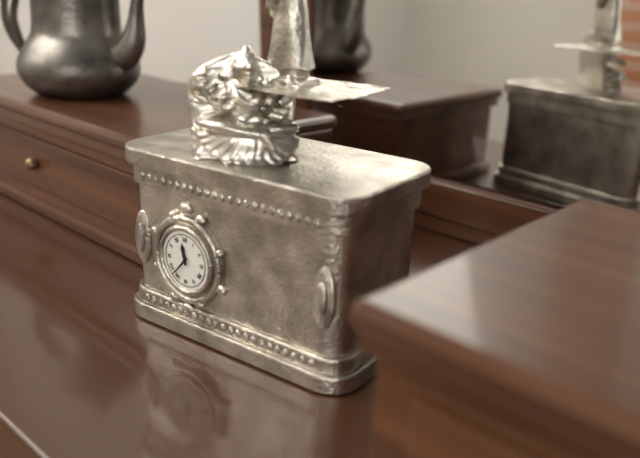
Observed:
11:37
